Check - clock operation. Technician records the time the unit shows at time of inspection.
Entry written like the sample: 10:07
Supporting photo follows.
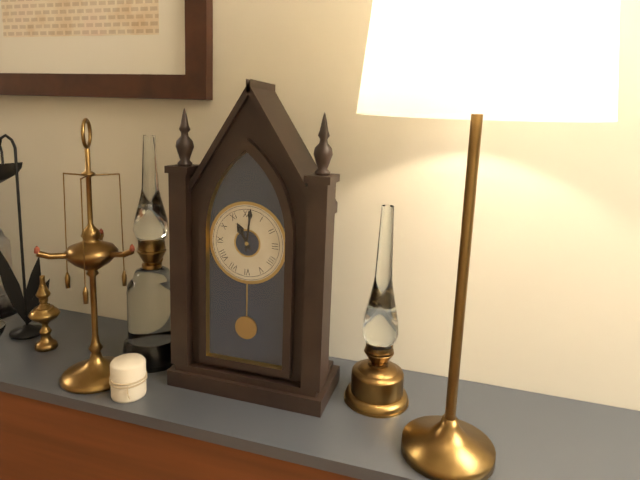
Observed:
11:01
